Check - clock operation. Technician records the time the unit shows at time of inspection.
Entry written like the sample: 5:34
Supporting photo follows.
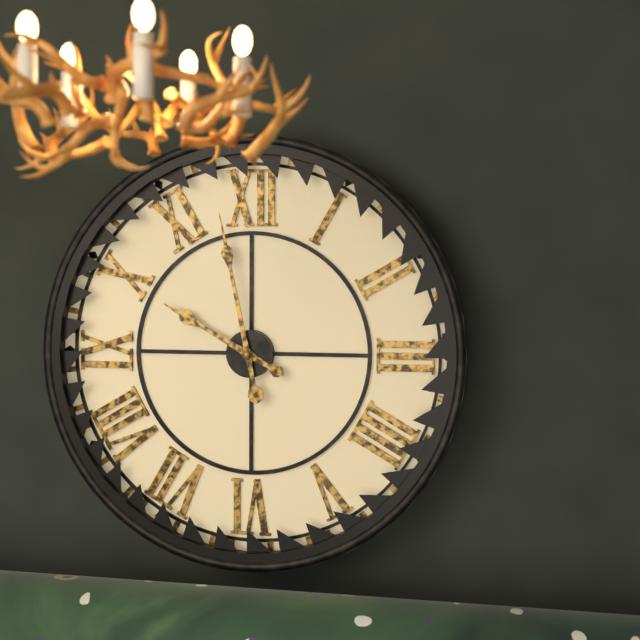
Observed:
9:58
